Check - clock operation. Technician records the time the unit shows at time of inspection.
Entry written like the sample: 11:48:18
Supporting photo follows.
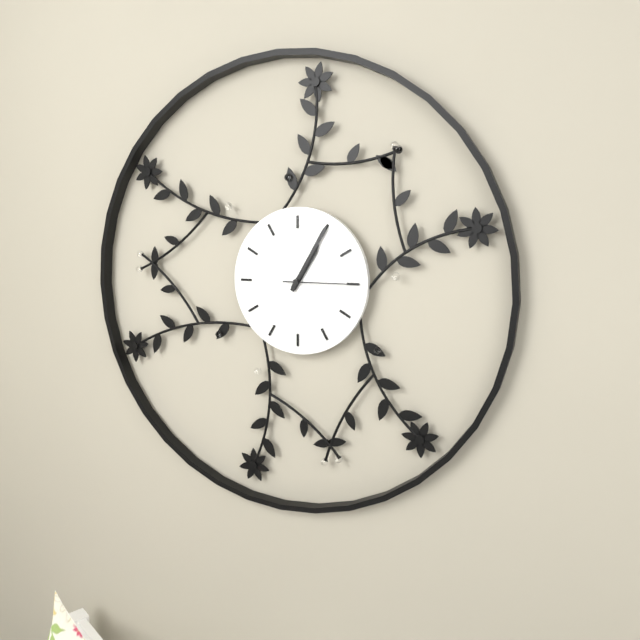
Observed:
1:05:15
